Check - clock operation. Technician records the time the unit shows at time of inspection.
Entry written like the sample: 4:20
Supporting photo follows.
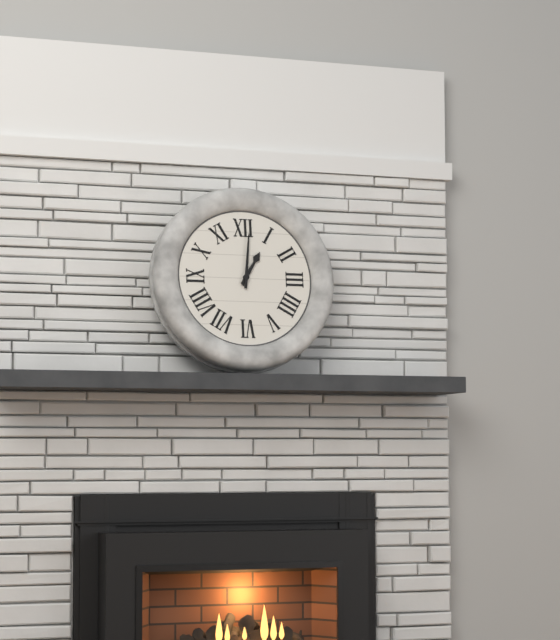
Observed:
1:01
